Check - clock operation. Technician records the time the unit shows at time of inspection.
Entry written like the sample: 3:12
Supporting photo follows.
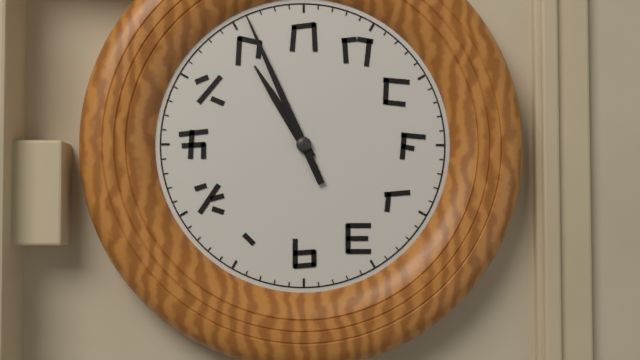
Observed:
10:56
